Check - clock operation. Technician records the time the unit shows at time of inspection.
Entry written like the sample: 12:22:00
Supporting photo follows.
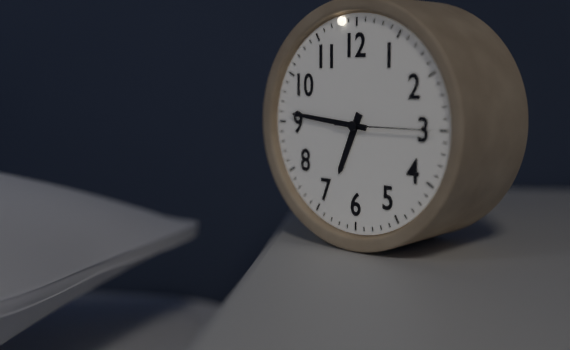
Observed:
6:46:15
